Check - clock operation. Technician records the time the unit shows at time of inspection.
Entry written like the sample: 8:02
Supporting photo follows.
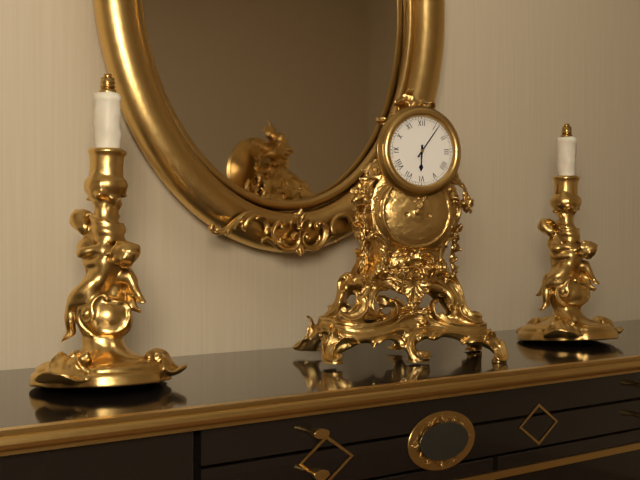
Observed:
6:06
